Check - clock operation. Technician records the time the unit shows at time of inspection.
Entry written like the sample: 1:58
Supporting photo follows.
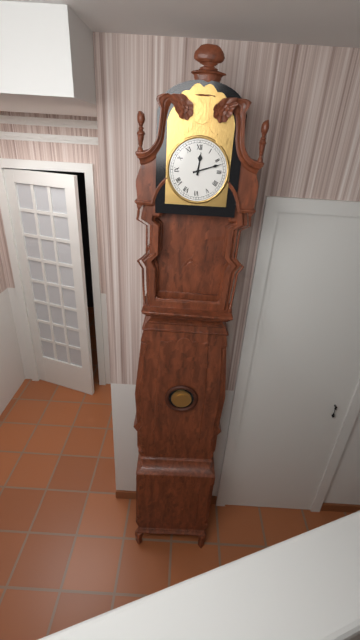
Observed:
12:12
